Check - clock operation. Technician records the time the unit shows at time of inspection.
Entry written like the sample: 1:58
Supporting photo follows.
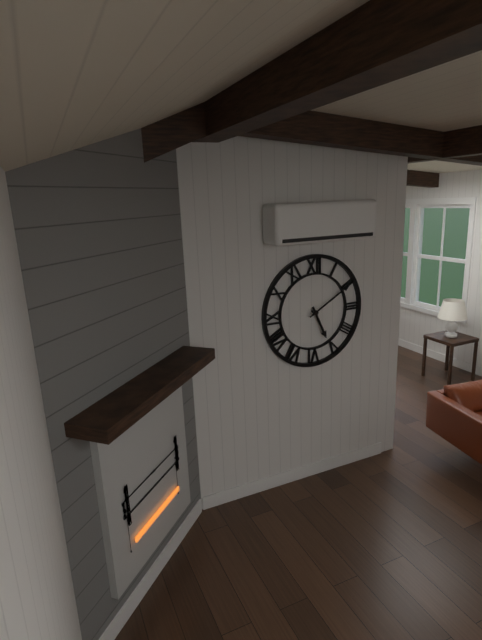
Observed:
5:10
